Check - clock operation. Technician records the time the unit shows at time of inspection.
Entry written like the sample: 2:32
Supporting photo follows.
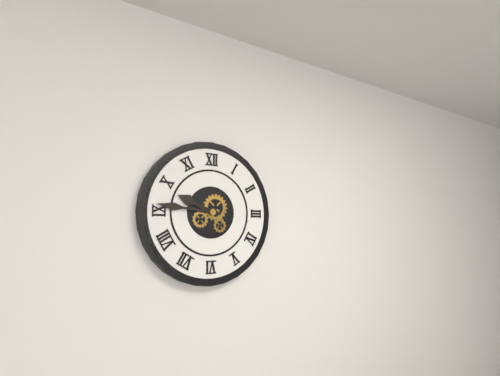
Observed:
9:46
